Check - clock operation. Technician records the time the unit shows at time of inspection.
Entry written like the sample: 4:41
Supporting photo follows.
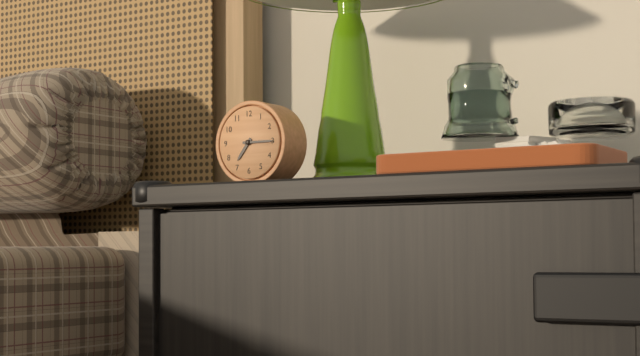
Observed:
7:15
